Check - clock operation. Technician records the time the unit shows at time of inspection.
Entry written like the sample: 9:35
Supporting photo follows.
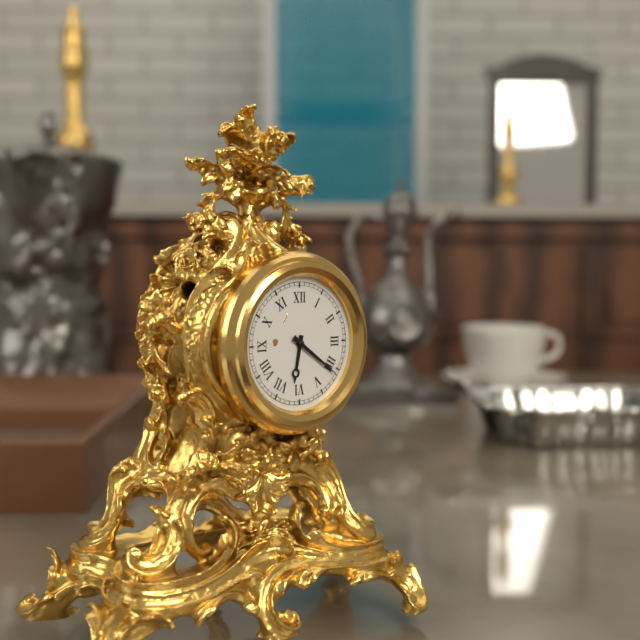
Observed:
6:21
